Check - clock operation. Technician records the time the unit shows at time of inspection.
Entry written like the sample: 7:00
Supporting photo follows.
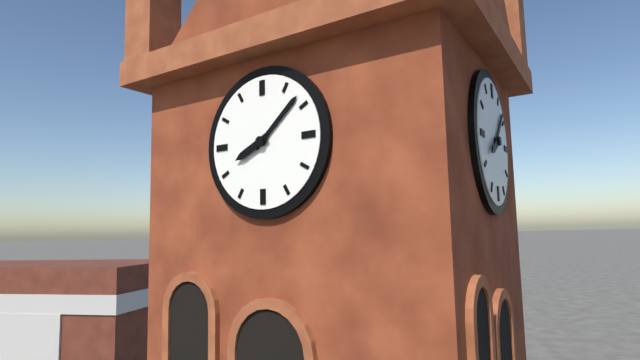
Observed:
8:08
